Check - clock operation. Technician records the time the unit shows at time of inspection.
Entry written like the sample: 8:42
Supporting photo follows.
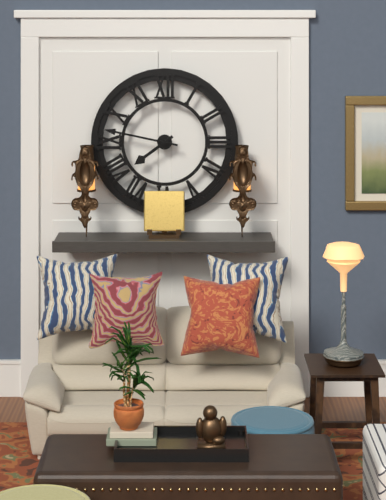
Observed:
7:47
